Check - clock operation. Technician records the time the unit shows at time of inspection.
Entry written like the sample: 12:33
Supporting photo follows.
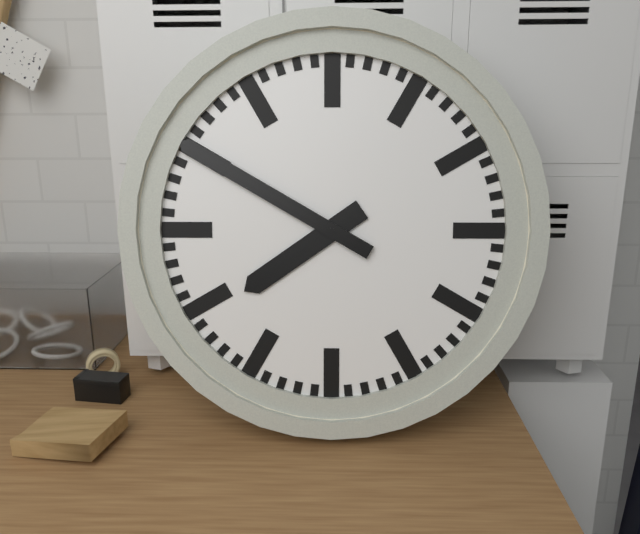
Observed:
7:50
